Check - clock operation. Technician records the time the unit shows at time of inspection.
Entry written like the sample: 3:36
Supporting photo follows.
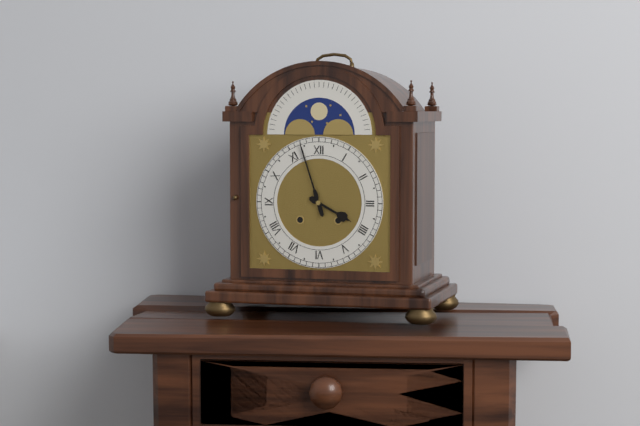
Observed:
3:57
